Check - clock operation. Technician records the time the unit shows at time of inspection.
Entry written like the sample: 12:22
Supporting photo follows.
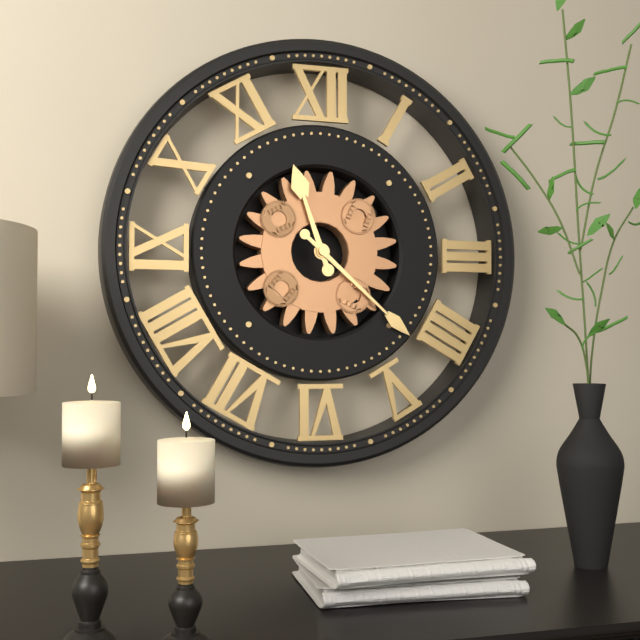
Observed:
11:22
